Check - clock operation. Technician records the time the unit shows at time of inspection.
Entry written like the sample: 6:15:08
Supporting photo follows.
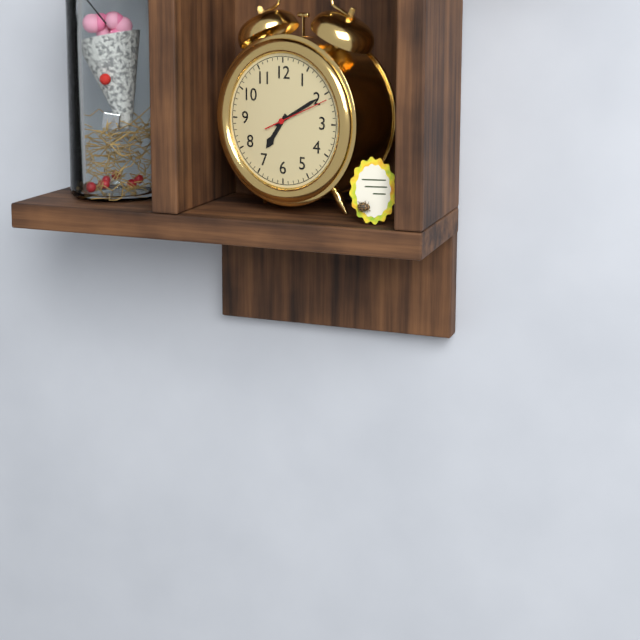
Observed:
7:10:11
